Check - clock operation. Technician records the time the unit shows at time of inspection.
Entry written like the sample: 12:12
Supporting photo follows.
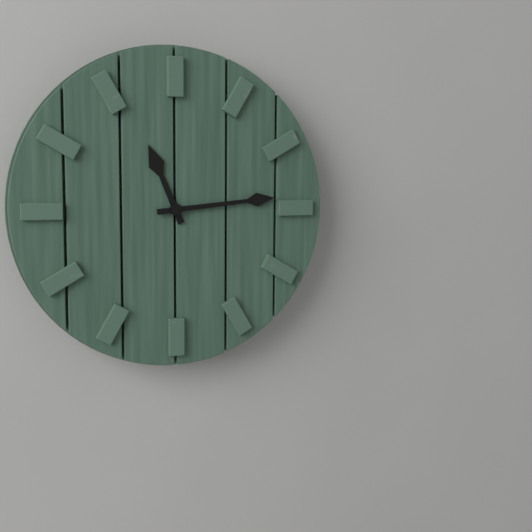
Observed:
11:14
